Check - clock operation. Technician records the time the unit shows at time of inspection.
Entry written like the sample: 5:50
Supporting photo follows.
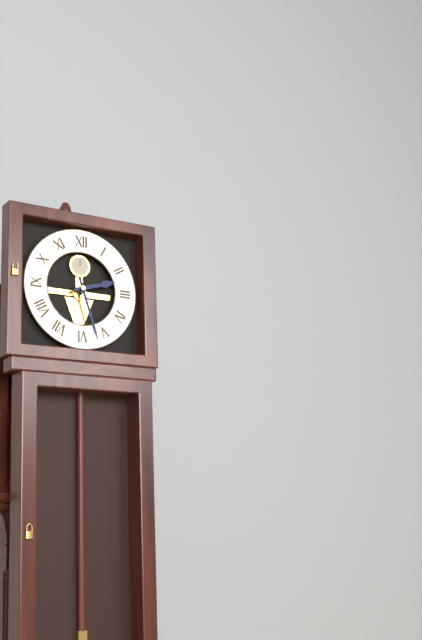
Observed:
2:27
